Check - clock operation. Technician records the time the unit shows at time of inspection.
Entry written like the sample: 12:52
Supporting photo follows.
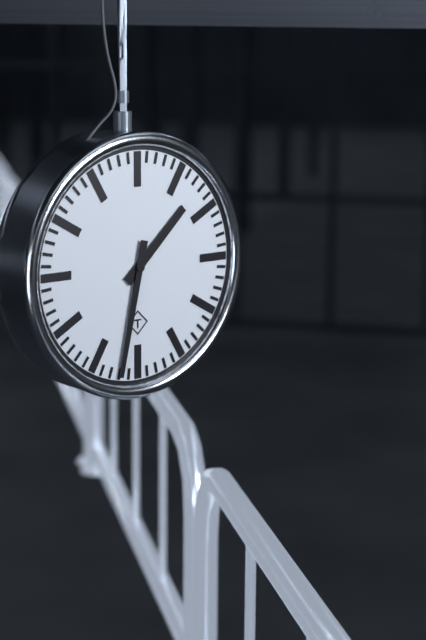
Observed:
1:32
